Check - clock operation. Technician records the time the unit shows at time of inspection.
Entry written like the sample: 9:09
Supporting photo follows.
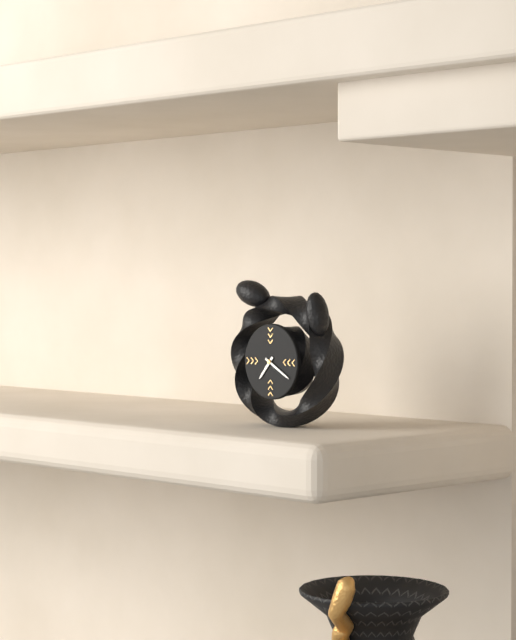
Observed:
7:20
